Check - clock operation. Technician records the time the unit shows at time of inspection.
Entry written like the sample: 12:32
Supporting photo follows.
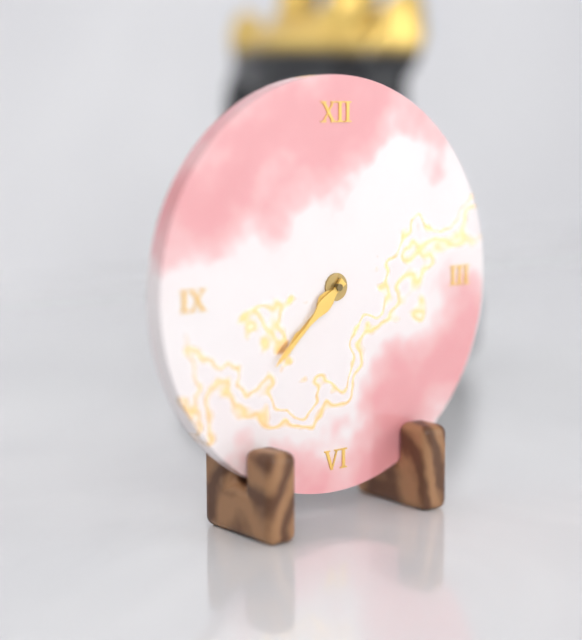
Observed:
7:38
